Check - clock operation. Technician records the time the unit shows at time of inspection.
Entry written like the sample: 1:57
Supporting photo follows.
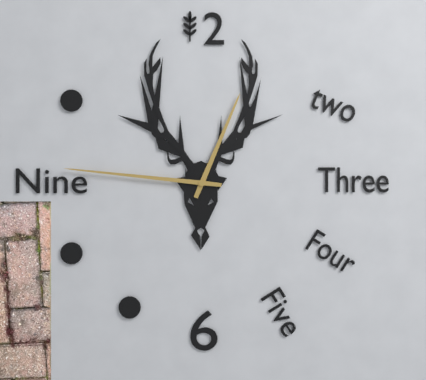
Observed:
12:46
